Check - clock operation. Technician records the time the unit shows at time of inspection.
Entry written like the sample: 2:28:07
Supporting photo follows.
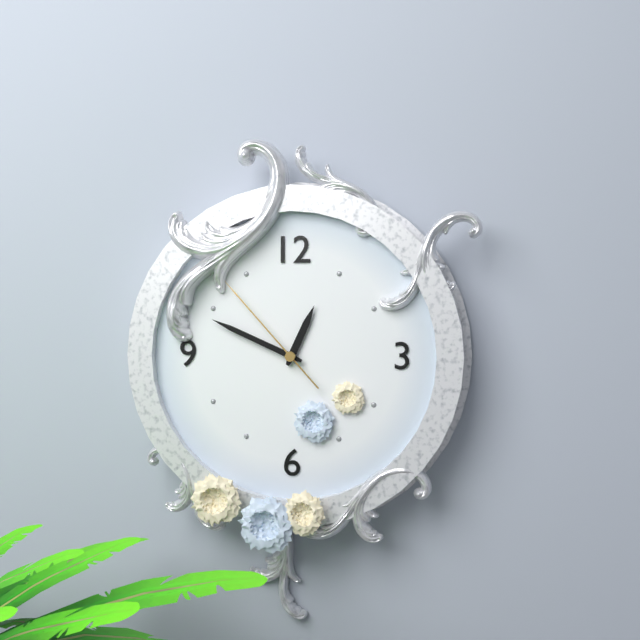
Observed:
12:49:53
